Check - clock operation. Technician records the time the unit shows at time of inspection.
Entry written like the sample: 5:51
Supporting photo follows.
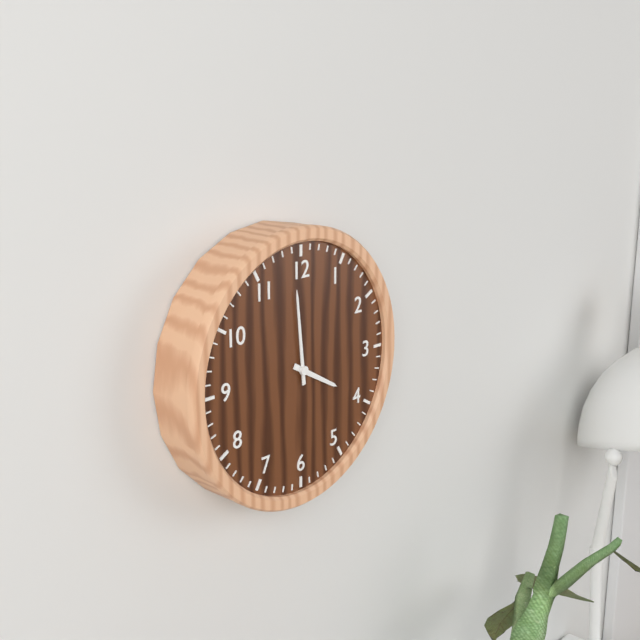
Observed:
3:59
